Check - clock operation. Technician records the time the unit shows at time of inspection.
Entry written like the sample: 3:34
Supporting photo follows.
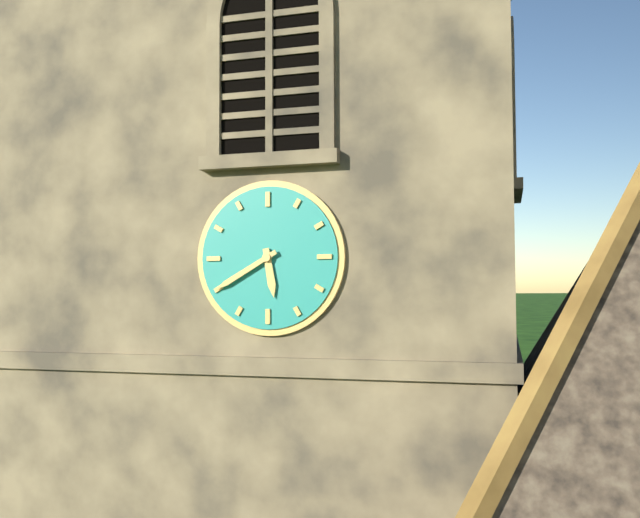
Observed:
5:40
